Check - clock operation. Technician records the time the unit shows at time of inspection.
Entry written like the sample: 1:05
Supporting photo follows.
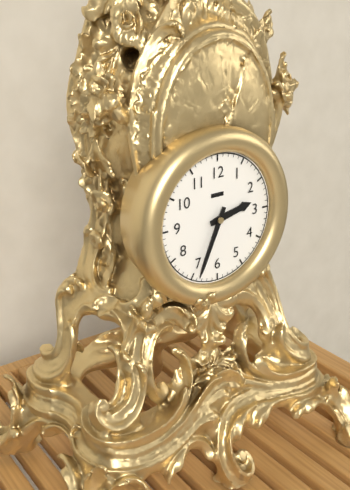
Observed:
2:34
